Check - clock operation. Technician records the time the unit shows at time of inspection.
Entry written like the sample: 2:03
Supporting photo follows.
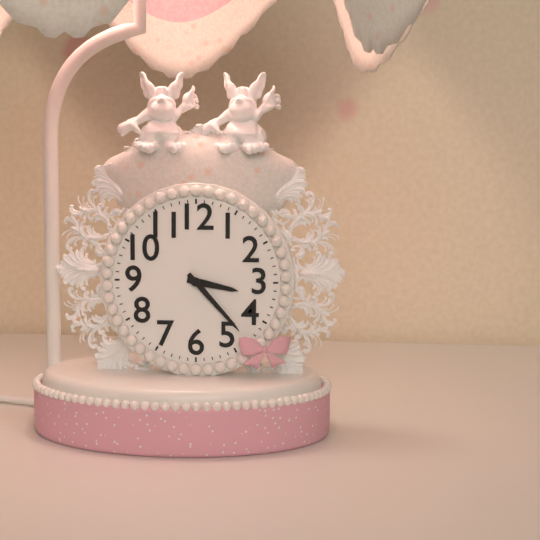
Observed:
3:23
